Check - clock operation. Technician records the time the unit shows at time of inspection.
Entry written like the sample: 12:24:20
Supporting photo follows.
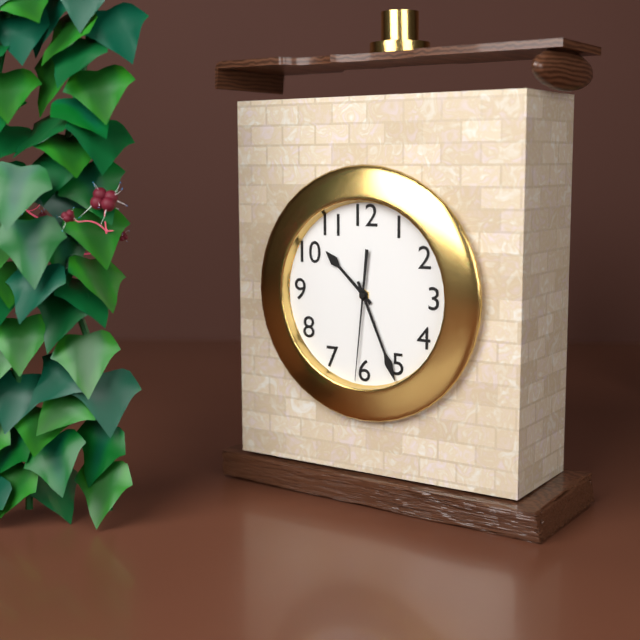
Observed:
10:26:31
